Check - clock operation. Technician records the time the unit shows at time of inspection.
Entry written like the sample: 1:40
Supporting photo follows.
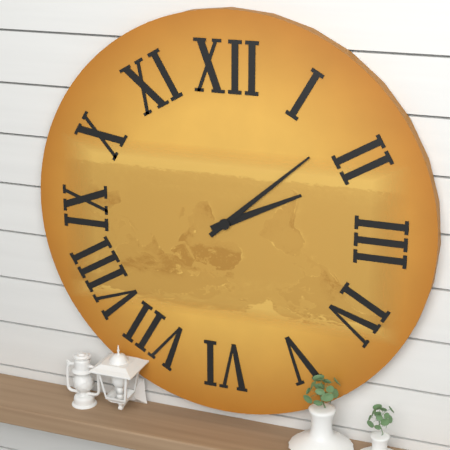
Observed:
2:08
